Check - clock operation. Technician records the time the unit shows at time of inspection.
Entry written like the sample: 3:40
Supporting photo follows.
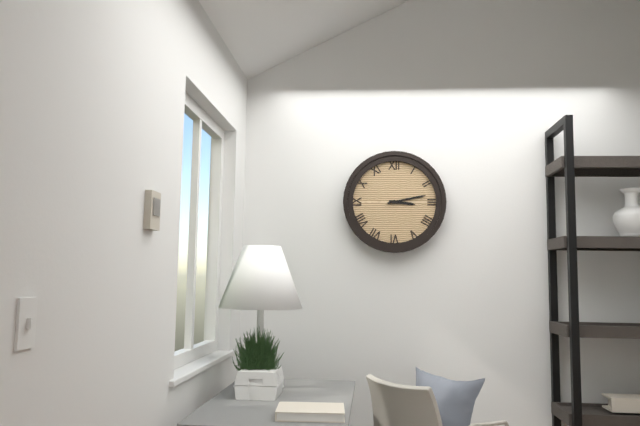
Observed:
3:13
